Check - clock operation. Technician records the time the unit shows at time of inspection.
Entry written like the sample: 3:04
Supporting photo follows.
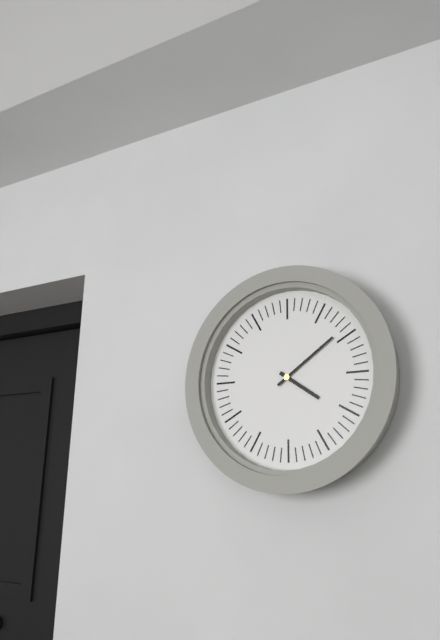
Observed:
4:09
